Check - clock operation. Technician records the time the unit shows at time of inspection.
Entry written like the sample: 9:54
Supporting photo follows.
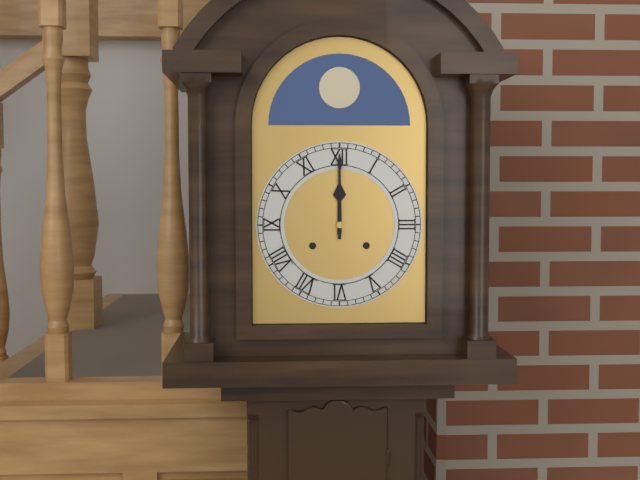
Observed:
12:00
